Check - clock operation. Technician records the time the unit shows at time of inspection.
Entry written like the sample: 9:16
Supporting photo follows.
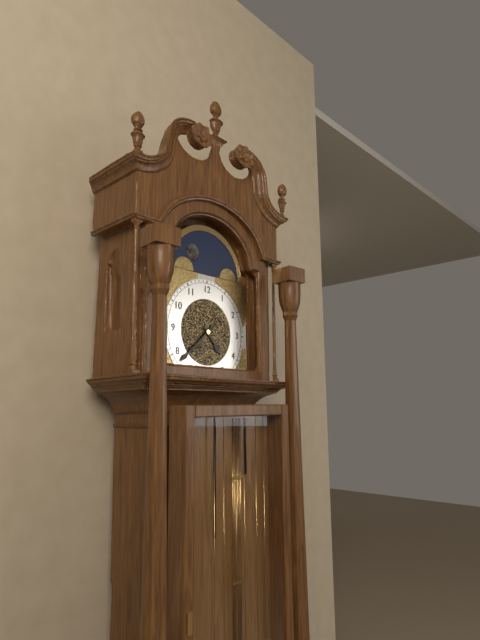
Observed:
4:38
